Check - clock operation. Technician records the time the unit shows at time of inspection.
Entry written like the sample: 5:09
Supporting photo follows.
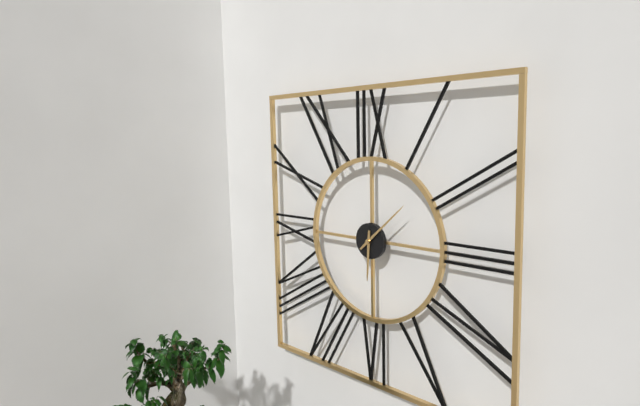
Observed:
6:08
